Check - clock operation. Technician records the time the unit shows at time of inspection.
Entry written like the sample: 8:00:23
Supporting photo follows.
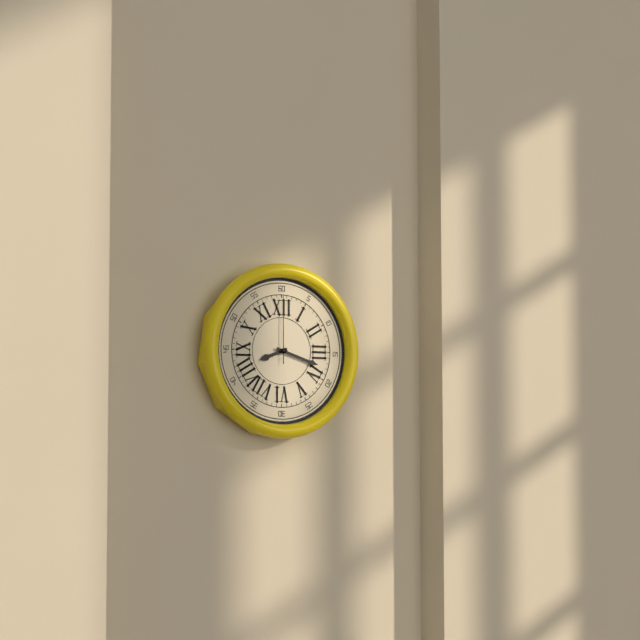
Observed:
8:18:00
